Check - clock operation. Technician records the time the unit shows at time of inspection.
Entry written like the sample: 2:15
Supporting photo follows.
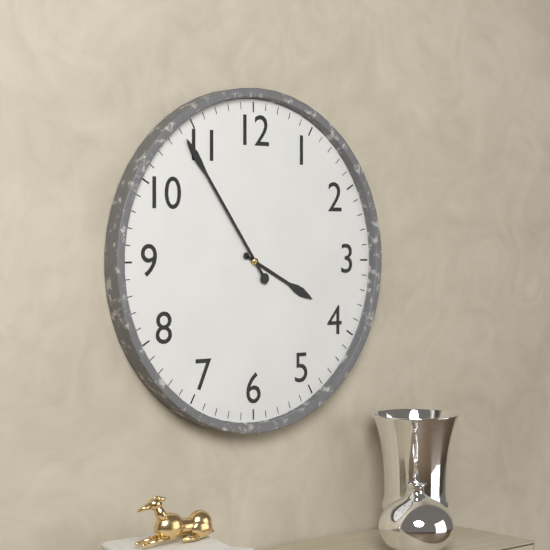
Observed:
3:54
